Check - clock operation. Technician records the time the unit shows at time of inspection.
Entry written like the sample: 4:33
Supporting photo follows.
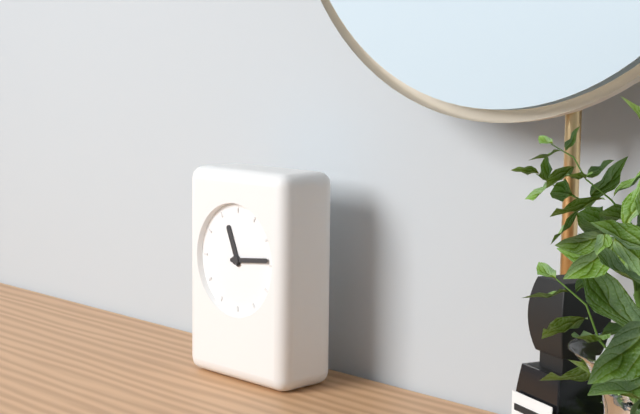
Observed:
11:14
